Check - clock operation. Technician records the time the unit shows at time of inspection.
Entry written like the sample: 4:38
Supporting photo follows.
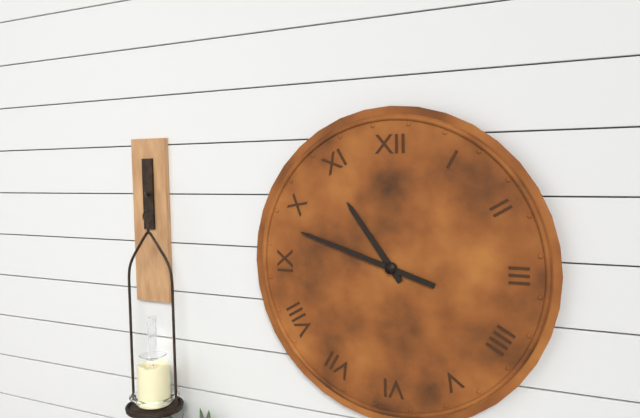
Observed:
10:48
